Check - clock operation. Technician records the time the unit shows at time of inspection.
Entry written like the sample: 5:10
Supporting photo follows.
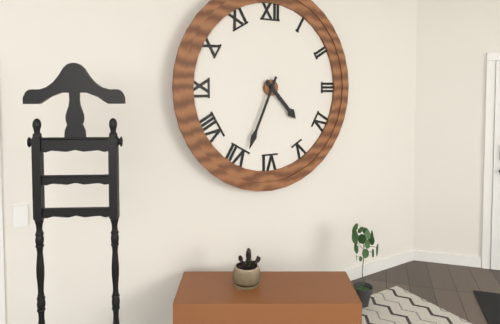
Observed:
4:34
